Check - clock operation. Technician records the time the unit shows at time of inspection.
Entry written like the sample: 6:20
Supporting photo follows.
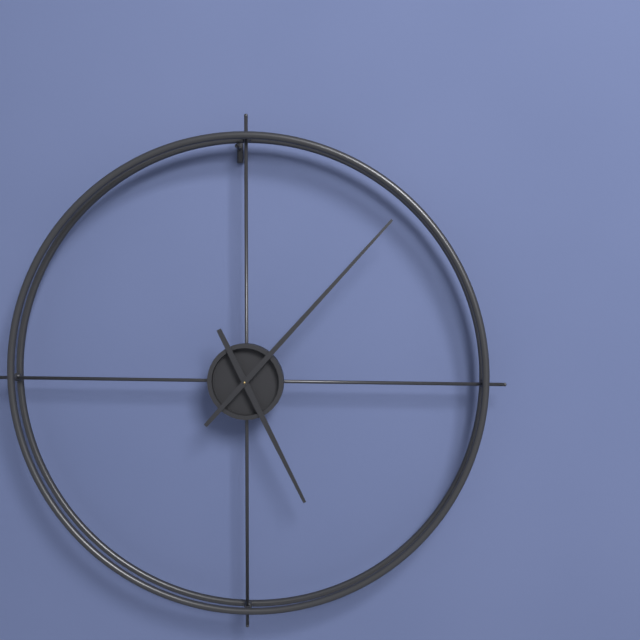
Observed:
5:07
